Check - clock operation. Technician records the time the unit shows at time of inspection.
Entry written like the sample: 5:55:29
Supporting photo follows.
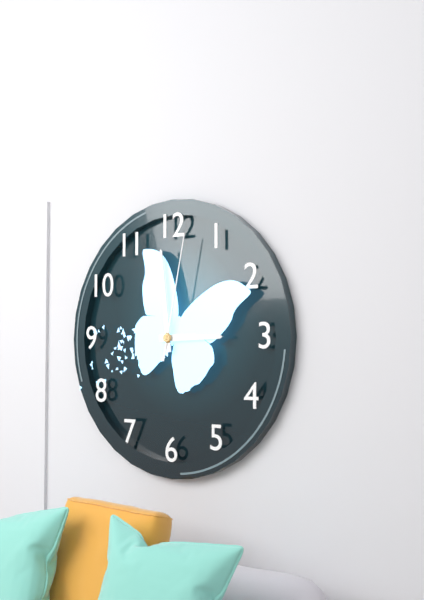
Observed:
2:59:02
